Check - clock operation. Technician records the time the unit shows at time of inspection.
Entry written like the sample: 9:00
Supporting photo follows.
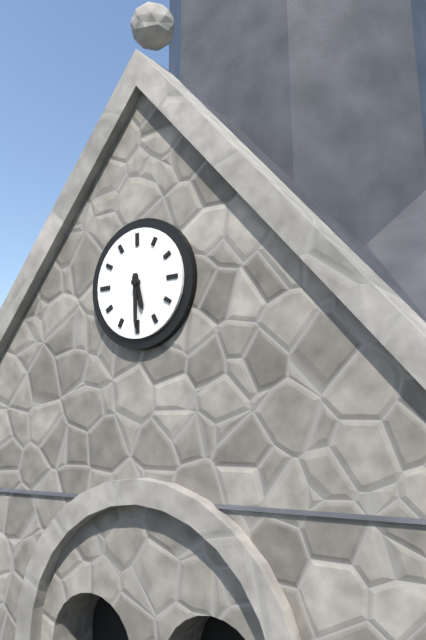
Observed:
5:30
